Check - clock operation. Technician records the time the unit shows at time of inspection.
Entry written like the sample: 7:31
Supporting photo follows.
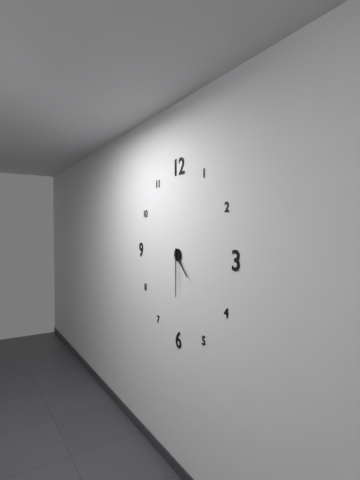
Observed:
4:30
